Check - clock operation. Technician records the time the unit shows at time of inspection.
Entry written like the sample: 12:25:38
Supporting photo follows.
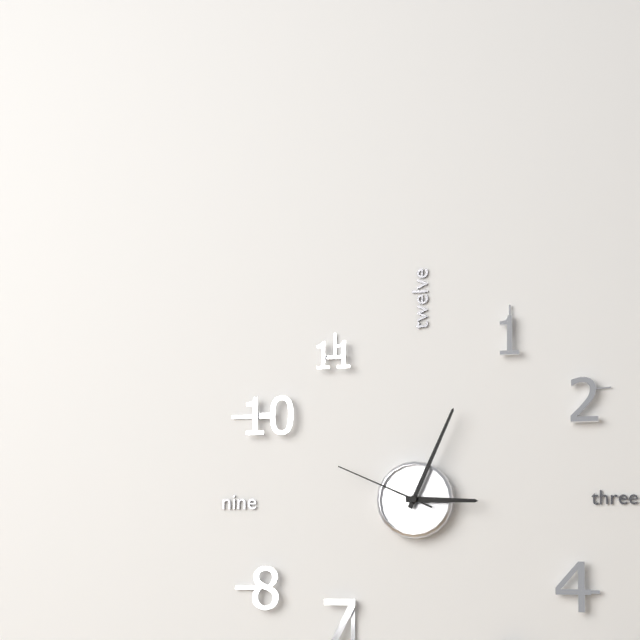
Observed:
3:04:49
